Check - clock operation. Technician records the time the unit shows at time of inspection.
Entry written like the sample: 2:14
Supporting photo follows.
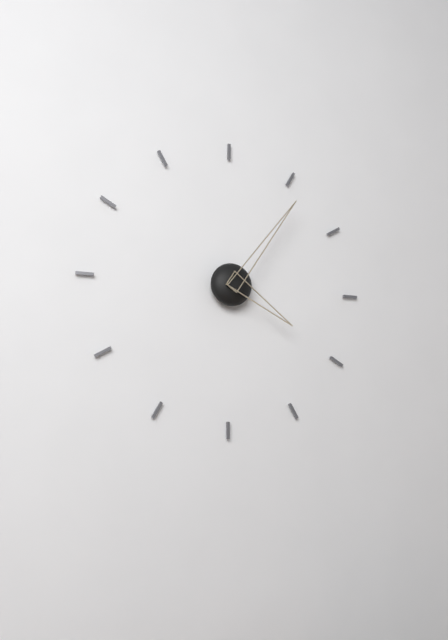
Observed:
4:06
